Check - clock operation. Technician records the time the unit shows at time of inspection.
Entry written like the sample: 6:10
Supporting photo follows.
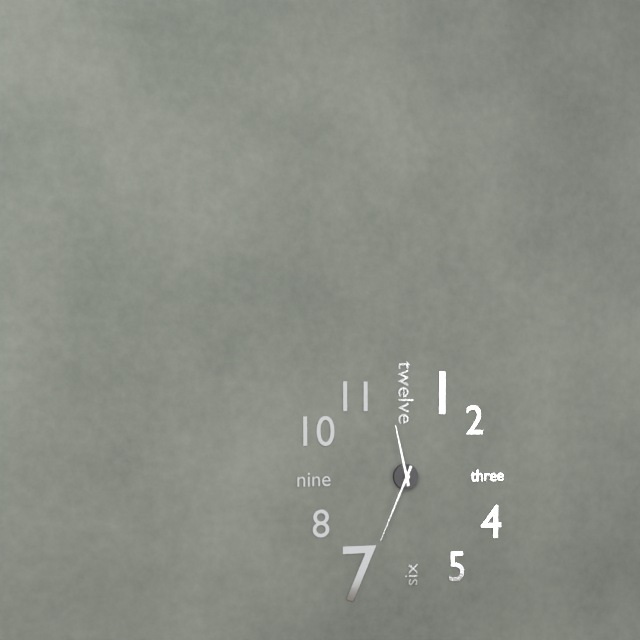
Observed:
11:34
